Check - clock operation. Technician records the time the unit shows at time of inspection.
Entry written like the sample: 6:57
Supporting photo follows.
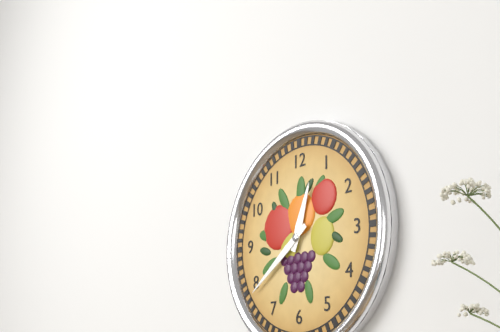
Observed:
12:39
